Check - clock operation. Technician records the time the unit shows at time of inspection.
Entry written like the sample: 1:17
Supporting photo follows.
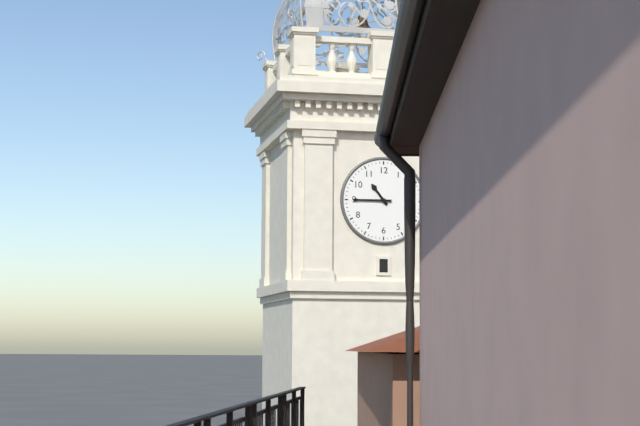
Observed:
10:45
